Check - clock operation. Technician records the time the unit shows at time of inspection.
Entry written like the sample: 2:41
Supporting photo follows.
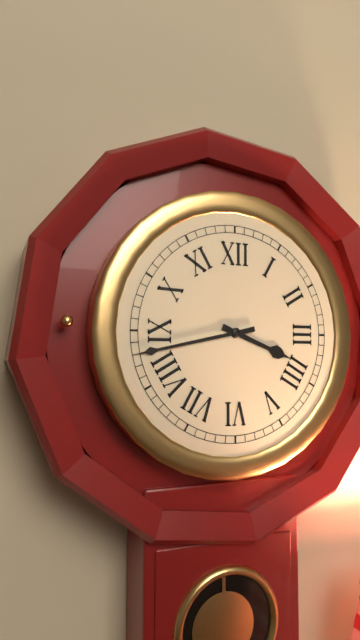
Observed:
3:43
